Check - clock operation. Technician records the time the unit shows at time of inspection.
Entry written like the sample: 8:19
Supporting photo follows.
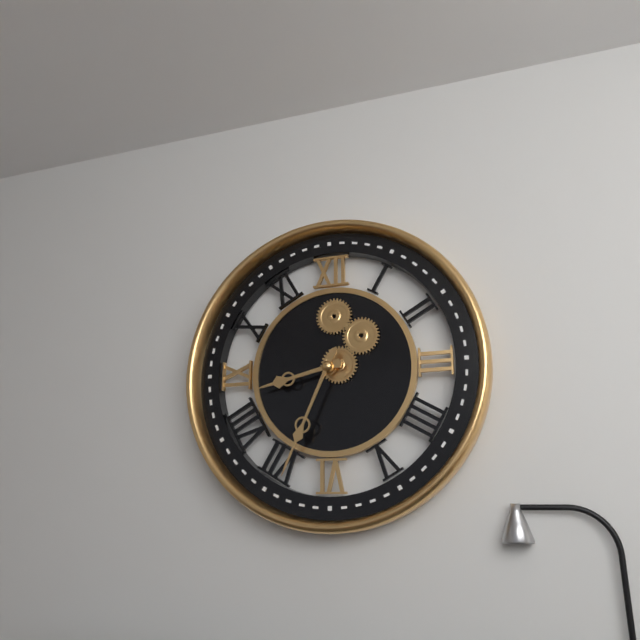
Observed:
8:34
